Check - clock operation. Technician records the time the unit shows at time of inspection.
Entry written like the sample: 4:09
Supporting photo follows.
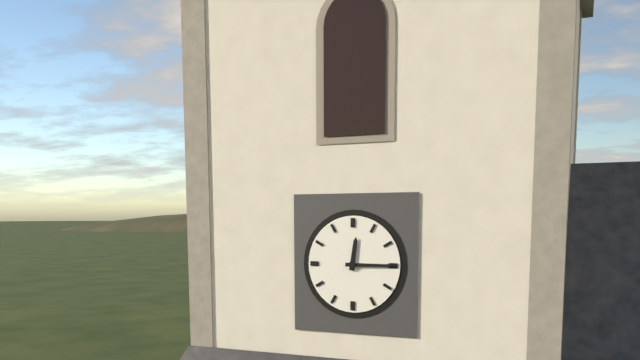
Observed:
12:15
